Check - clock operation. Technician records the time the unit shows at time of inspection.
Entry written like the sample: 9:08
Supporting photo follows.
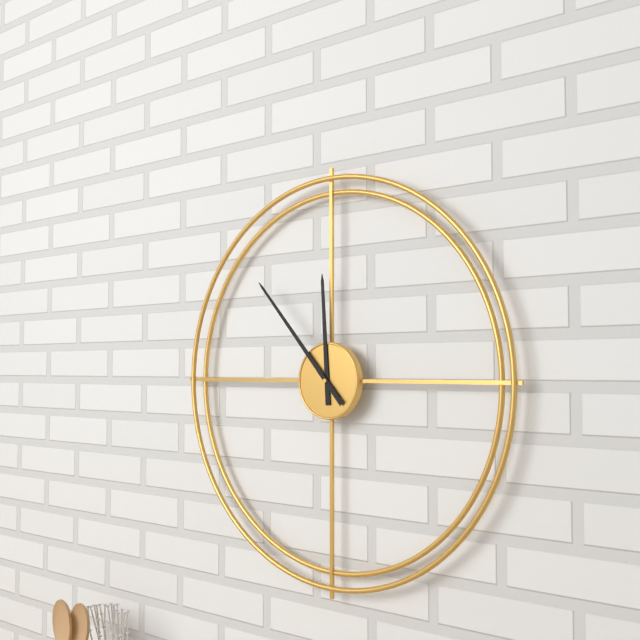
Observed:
11:53
